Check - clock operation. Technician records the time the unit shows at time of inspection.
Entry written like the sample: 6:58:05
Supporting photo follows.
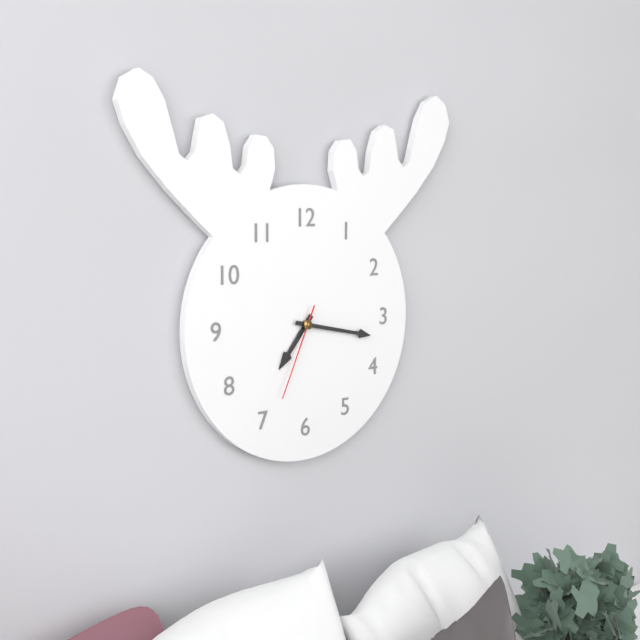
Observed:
7:17:34
